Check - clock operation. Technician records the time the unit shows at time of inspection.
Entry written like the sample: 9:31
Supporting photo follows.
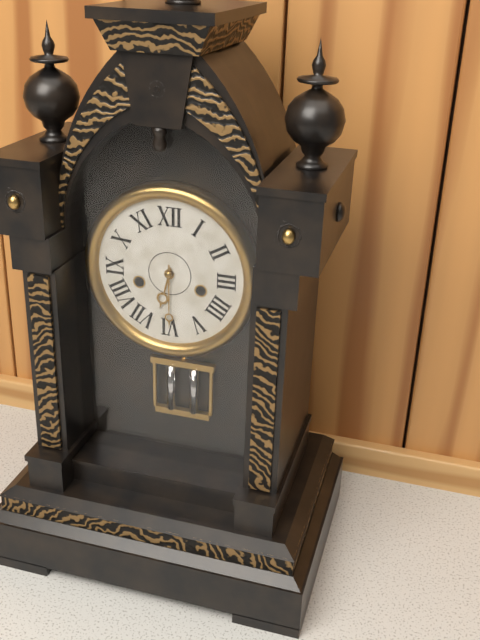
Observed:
6:30
